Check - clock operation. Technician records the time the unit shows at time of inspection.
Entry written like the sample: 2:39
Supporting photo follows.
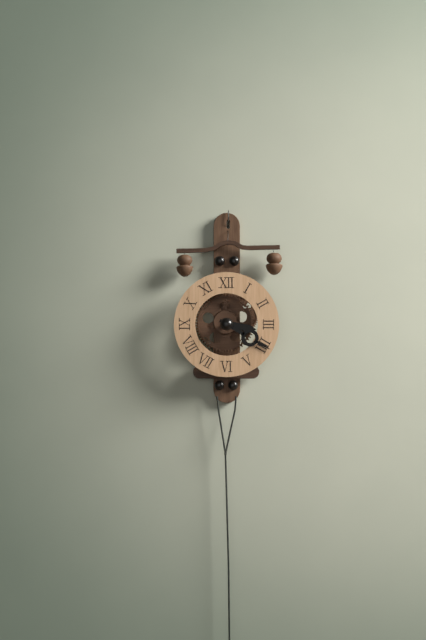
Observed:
3:20
